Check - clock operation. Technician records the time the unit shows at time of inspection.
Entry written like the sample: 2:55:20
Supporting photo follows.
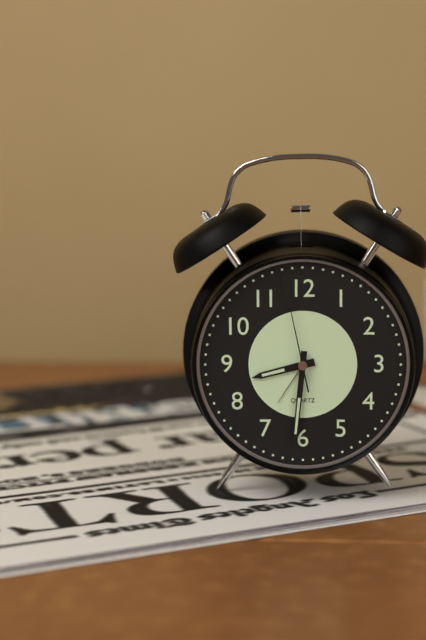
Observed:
8:31:58
